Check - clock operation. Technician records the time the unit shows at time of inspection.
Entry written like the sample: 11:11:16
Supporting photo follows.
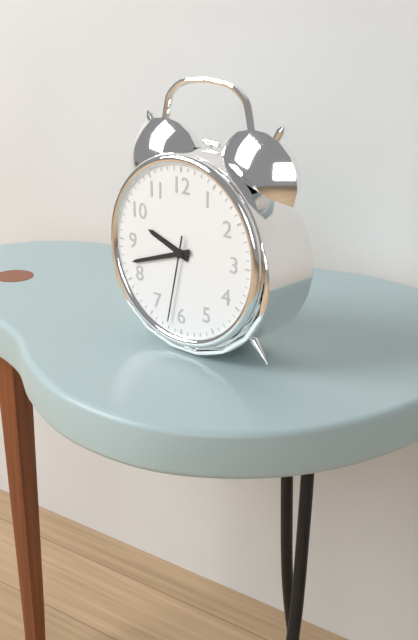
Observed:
9:42:32
